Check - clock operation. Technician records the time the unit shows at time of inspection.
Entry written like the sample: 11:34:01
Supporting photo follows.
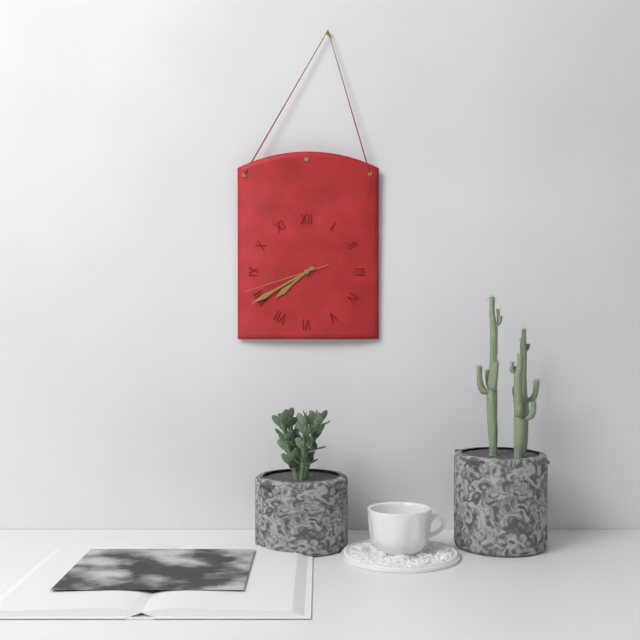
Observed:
7:40:42
